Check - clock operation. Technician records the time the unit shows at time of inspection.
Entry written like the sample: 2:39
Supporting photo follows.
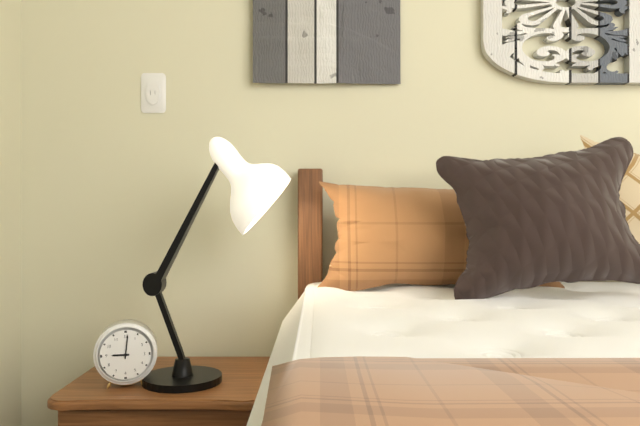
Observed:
9:01
